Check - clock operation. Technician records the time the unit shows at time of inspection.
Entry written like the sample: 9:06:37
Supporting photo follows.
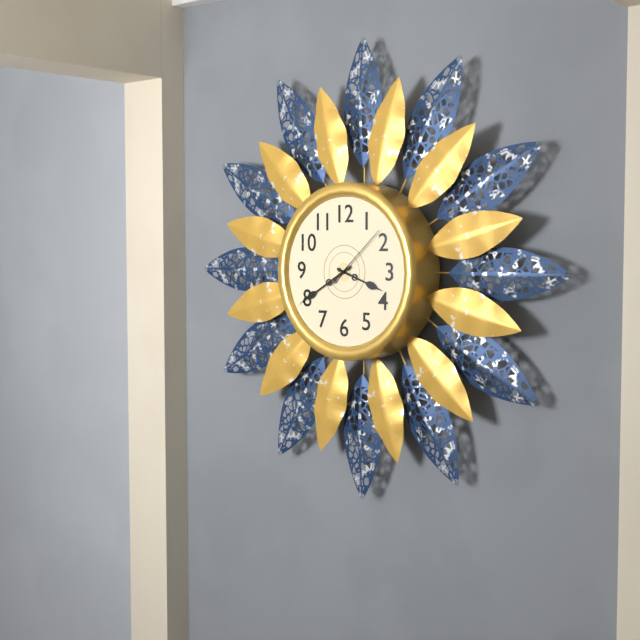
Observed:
3:40:08
